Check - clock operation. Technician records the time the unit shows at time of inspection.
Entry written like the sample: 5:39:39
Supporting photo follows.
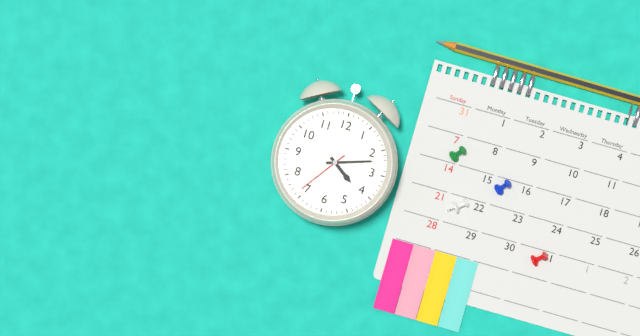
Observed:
4:12:36
